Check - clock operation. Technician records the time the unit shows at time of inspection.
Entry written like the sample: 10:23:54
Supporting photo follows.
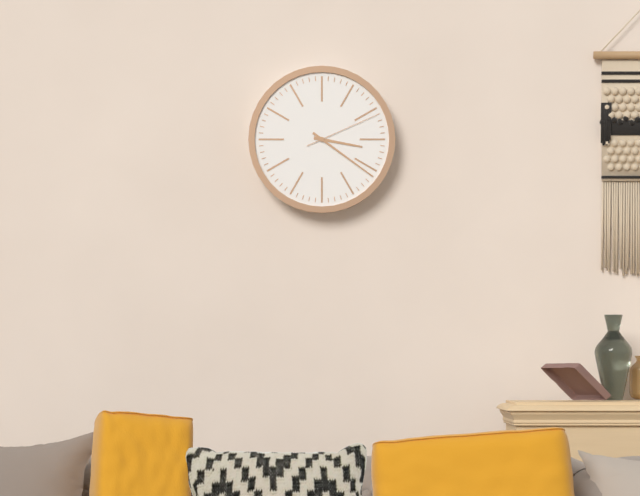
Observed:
3:21:11
